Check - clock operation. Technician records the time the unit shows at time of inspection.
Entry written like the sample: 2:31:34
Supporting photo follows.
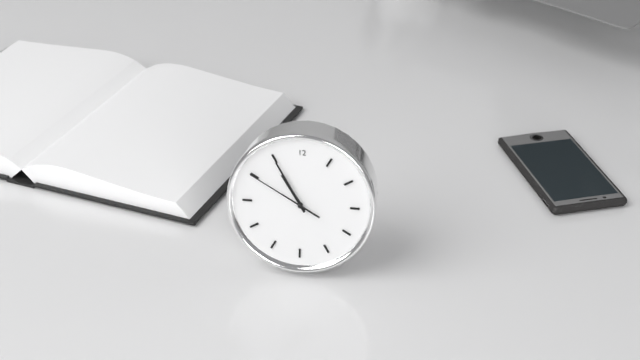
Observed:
10:55:50
